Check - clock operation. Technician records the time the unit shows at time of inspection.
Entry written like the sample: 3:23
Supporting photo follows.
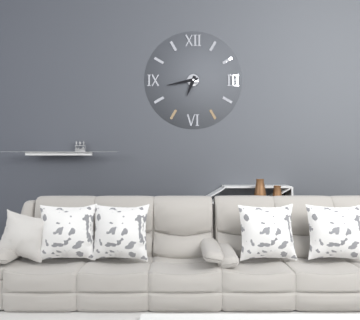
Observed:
6:43
